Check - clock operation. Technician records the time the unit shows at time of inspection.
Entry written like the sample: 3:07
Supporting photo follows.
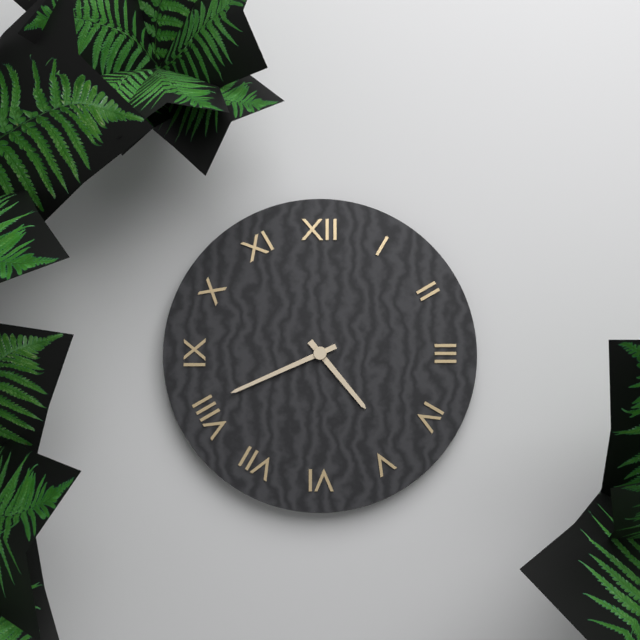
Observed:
4:41
